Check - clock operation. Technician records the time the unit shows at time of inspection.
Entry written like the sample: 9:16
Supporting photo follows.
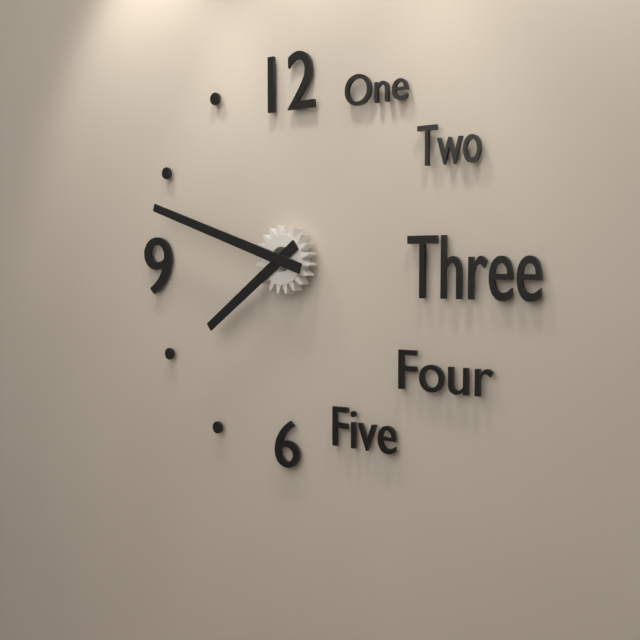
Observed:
7:48
